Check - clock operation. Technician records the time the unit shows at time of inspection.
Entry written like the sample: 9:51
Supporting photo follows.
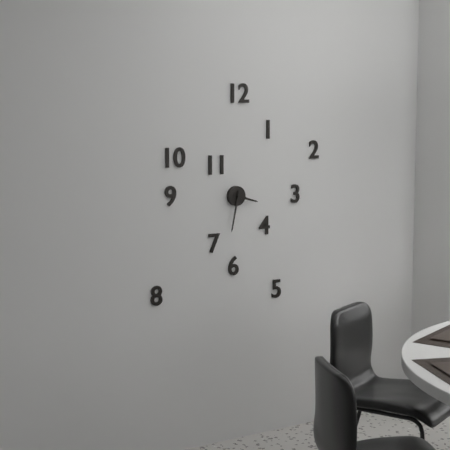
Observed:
3:32
